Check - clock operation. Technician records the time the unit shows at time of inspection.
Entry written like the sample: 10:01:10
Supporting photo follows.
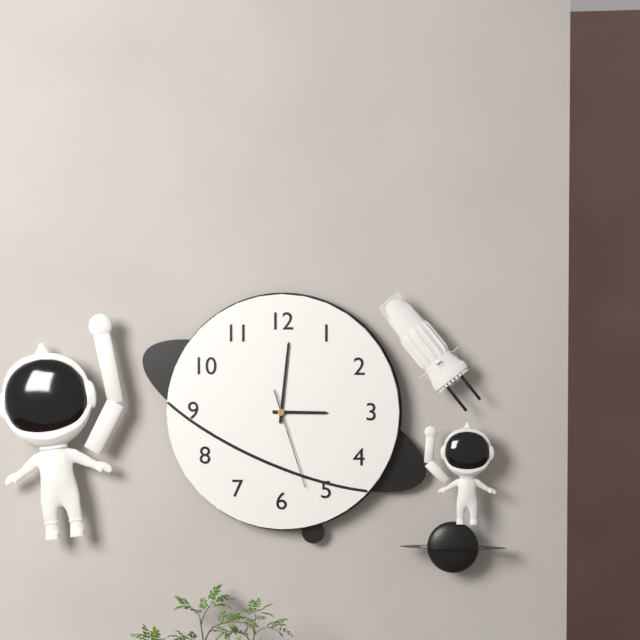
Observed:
3:01:27
